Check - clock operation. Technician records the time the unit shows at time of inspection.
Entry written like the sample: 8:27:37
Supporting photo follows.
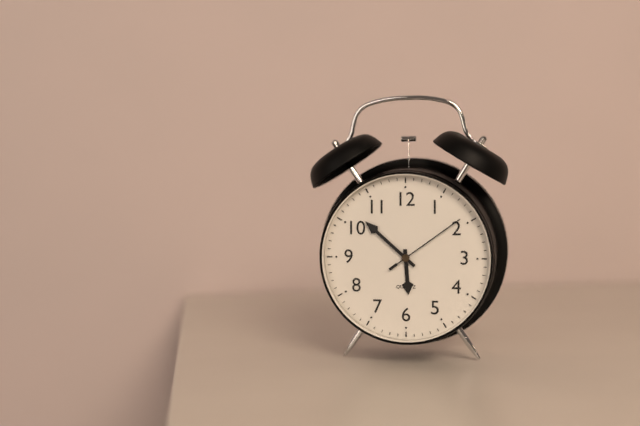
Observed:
5:52:09
